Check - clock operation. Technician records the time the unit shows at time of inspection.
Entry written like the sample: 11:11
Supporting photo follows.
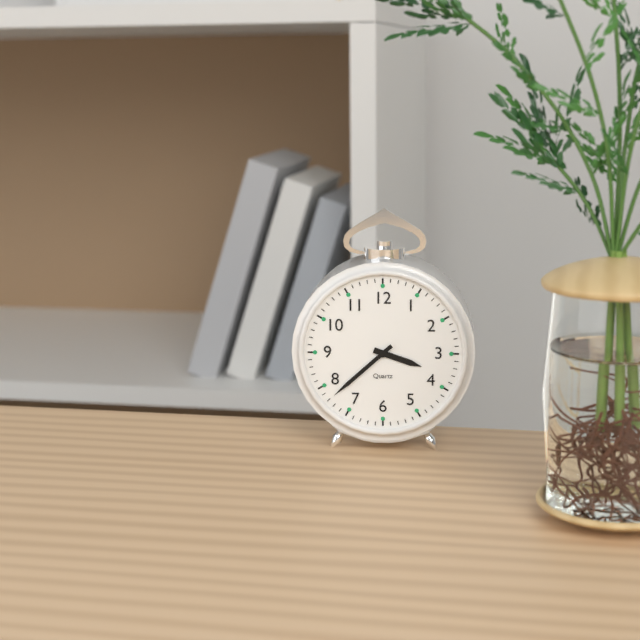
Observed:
3:38
